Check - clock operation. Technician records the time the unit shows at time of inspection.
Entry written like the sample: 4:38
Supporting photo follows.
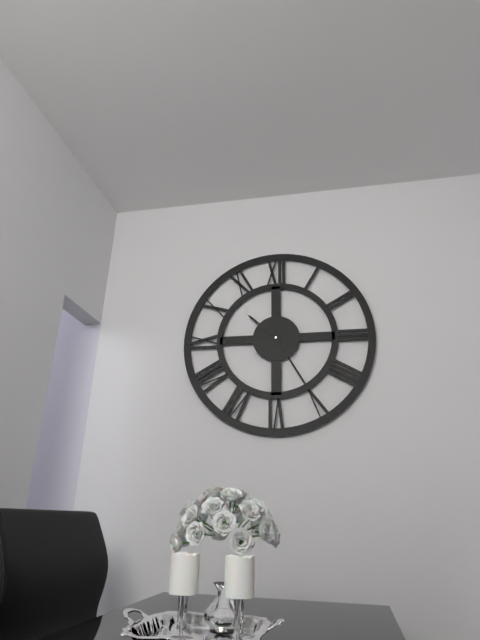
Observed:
10:25
